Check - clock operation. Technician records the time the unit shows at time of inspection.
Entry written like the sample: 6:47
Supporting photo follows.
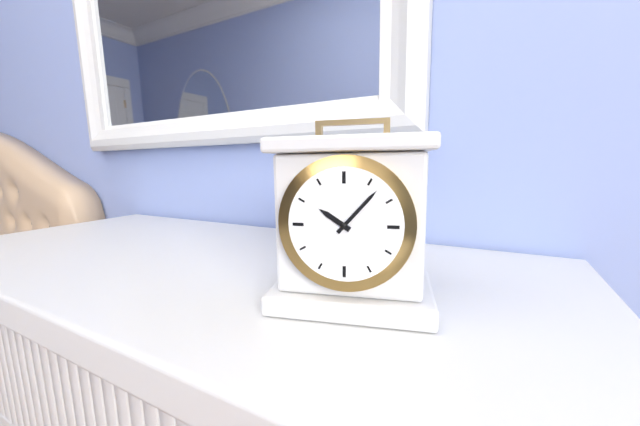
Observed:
10:07
